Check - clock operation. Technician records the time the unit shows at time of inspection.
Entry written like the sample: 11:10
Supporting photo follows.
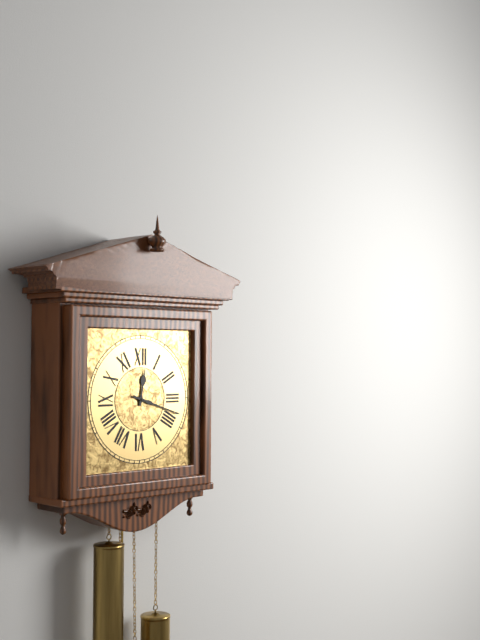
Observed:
12:18
